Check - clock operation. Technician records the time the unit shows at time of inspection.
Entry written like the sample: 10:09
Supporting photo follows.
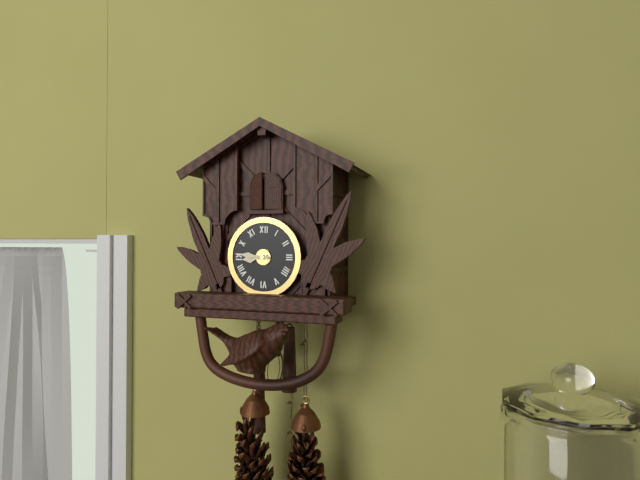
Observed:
8:46
